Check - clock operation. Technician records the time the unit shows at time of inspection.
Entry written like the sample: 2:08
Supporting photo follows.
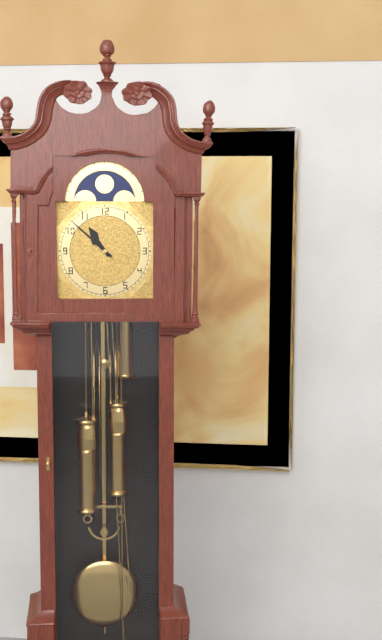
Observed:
10:52
